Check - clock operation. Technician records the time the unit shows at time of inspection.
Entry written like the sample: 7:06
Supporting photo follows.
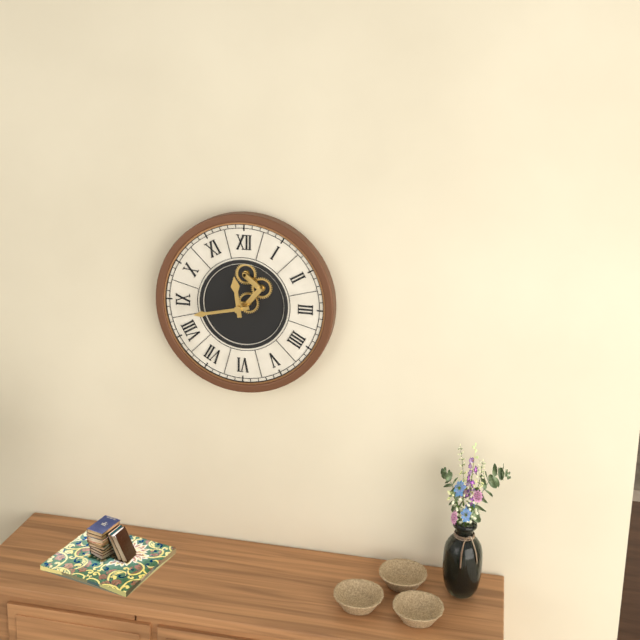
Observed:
11:43
